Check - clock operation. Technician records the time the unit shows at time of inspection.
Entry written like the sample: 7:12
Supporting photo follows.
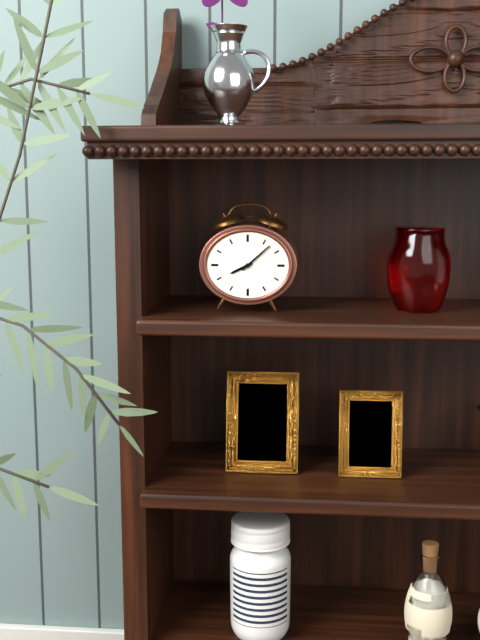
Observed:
8:08
